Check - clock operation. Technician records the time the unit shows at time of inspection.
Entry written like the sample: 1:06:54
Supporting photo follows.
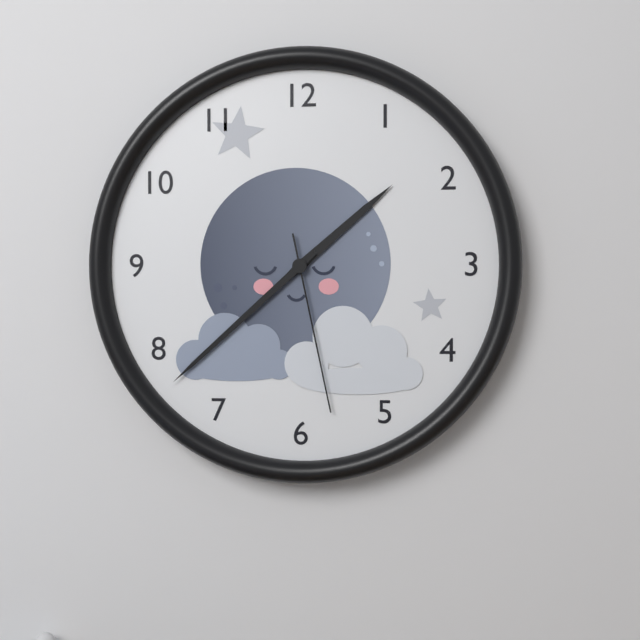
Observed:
1:38:28
